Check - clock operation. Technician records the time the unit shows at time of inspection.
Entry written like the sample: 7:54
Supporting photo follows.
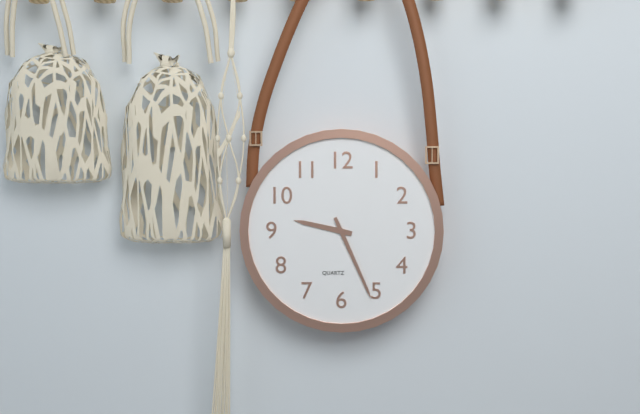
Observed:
9:26
